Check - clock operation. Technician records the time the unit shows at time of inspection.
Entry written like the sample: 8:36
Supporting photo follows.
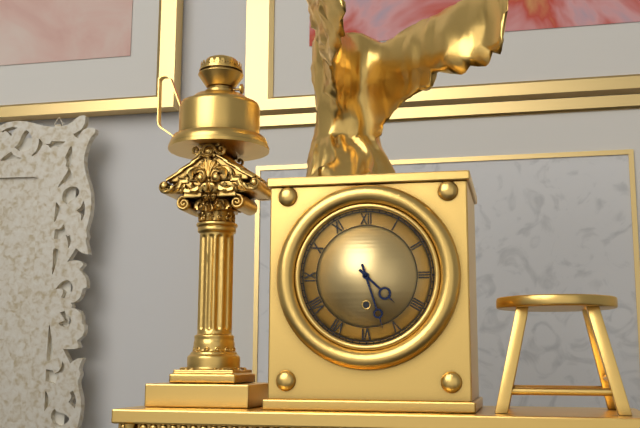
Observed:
4:27
